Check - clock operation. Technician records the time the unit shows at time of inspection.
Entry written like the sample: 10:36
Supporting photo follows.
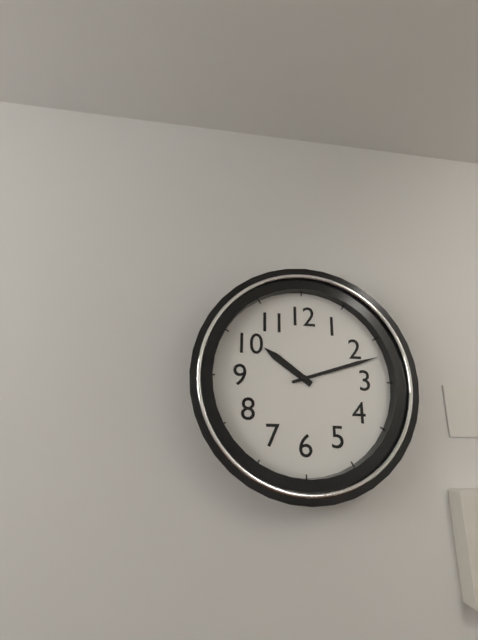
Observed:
10:12
